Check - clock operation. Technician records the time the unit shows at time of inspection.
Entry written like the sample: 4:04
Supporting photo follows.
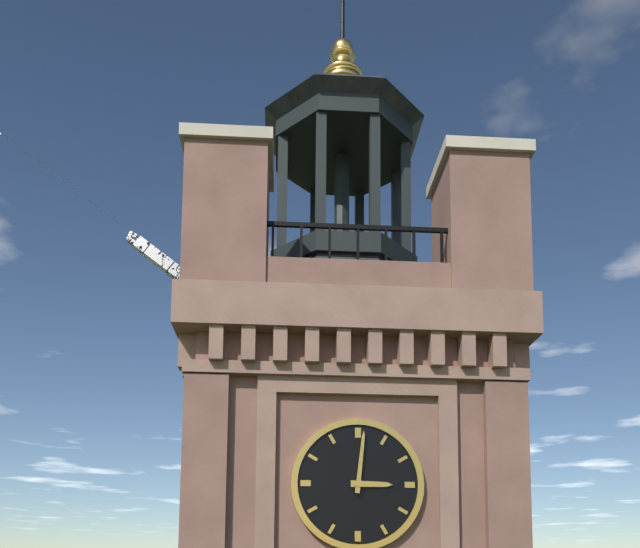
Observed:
3:01
